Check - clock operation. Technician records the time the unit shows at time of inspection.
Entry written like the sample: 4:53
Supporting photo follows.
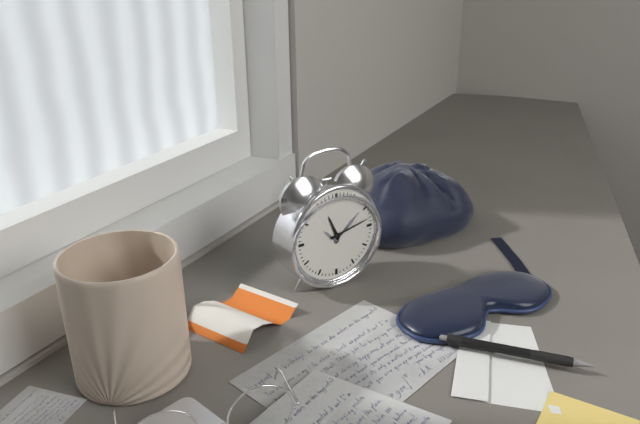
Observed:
11:13
